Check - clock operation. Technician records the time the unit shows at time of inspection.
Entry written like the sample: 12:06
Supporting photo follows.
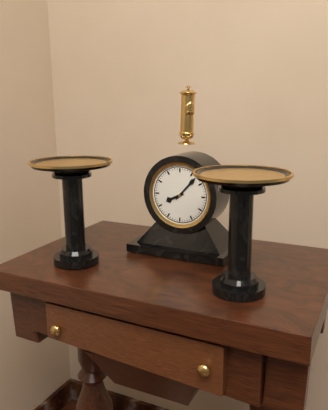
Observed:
8:07
